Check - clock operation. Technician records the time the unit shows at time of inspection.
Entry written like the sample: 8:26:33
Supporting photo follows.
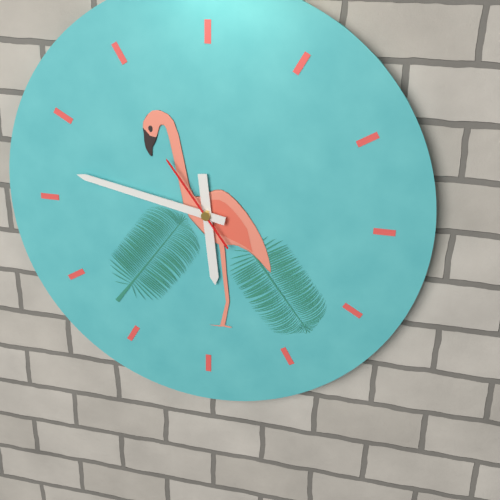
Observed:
5:47:54
